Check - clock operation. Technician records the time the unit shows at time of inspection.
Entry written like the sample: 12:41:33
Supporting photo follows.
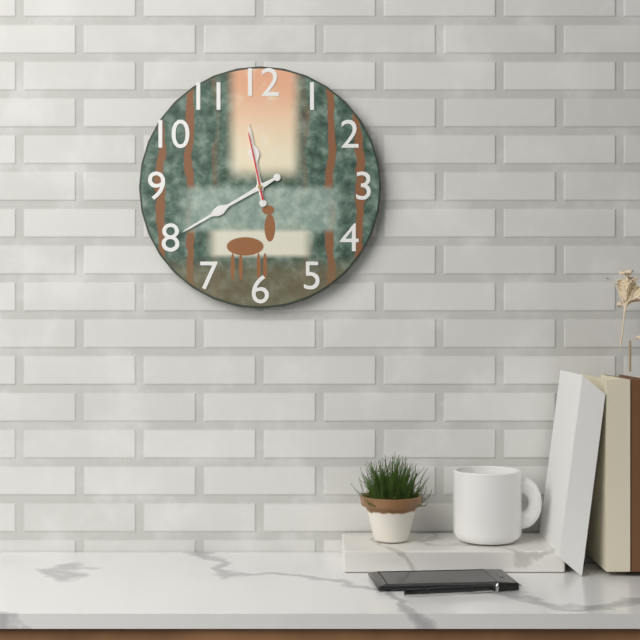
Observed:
11:40:58
